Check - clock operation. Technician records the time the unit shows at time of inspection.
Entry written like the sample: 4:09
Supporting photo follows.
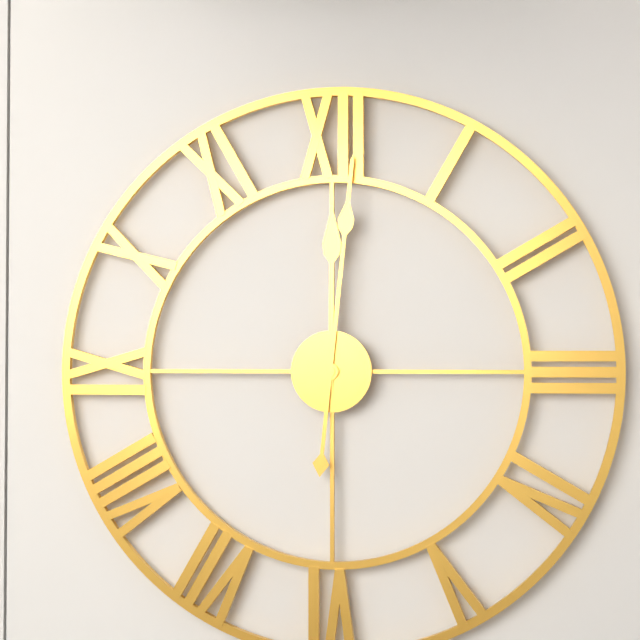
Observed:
12:01
